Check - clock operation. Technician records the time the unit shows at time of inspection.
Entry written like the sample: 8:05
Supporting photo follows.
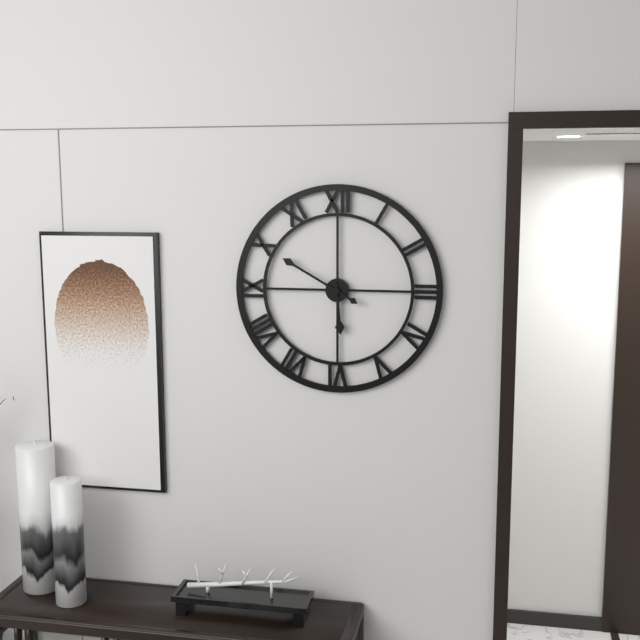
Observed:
5:50
